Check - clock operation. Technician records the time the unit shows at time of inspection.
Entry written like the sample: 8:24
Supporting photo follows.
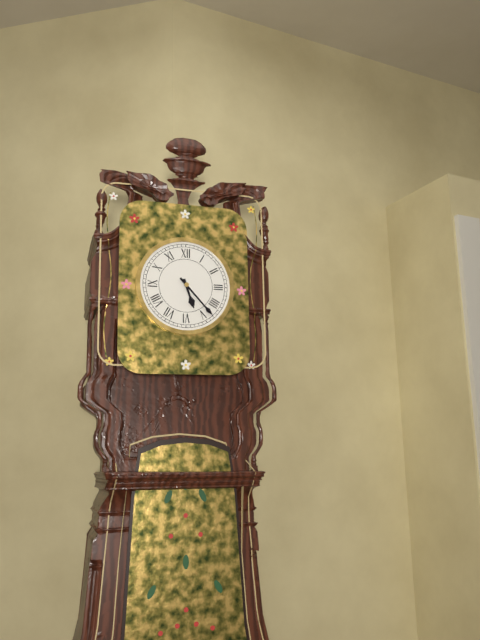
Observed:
5:23
